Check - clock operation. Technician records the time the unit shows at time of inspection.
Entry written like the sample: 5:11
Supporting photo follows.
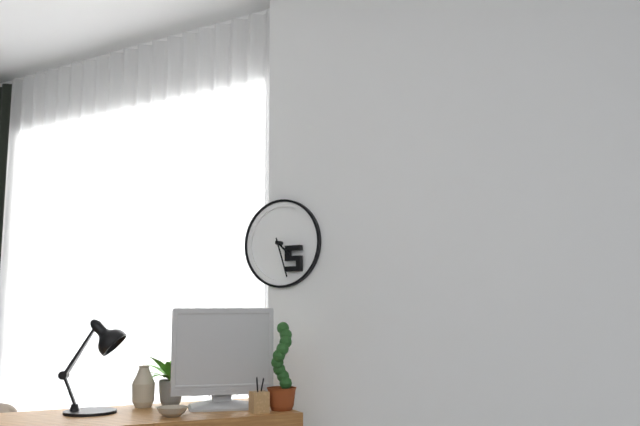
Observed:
4:27
